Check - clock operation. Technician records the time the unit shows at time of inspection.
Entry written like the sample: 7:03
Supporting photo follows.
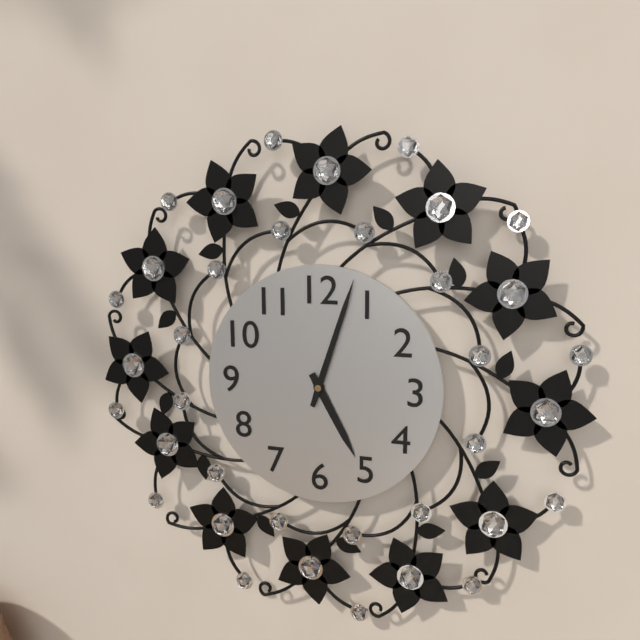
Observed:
5:03
